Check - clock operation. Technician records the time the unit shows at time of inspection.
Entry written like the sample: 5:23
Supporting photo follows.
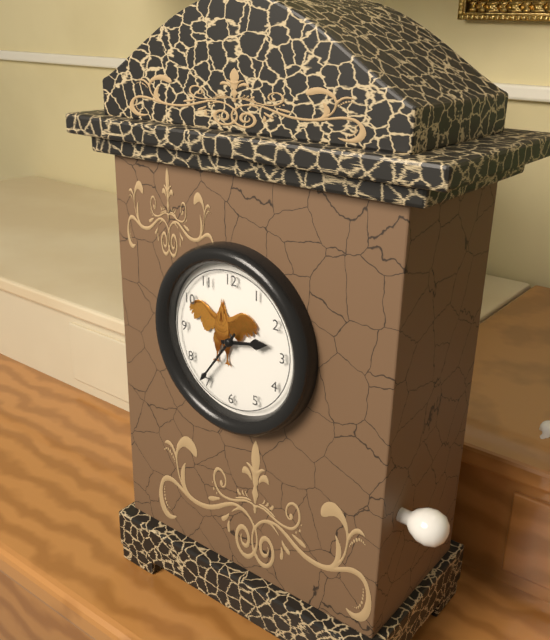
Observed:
2:36
